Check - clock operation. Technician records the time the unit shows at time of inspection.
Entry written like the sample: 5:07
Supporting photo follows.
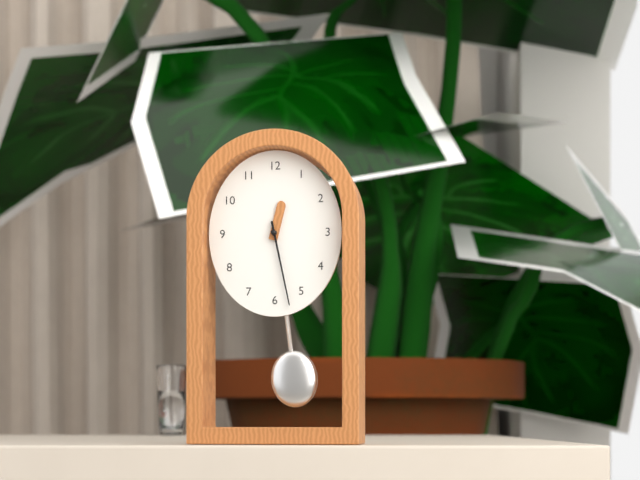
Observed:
12:28
